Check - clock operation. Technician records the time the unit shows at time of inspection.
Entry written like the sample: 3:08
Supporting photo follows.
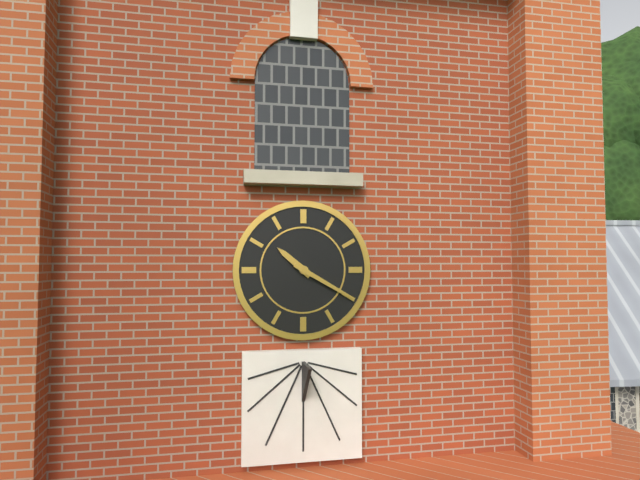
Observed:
10:20
